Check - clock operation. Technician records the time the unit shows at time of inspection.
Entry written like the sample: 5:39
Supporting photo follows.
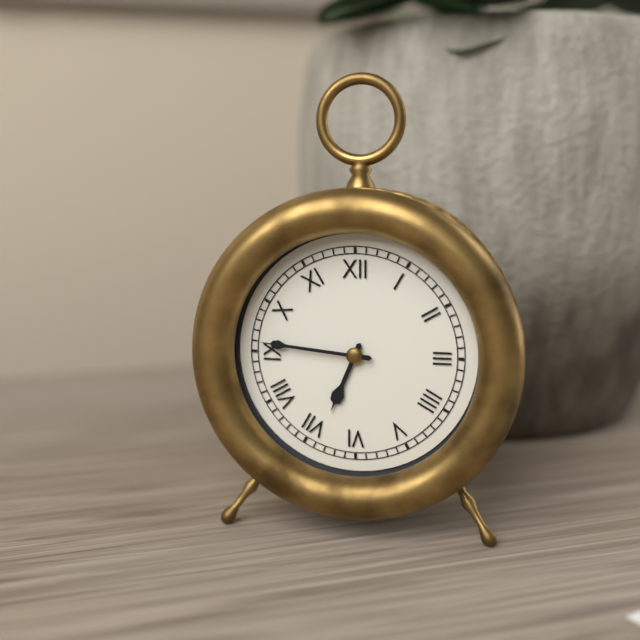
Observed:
6:46
